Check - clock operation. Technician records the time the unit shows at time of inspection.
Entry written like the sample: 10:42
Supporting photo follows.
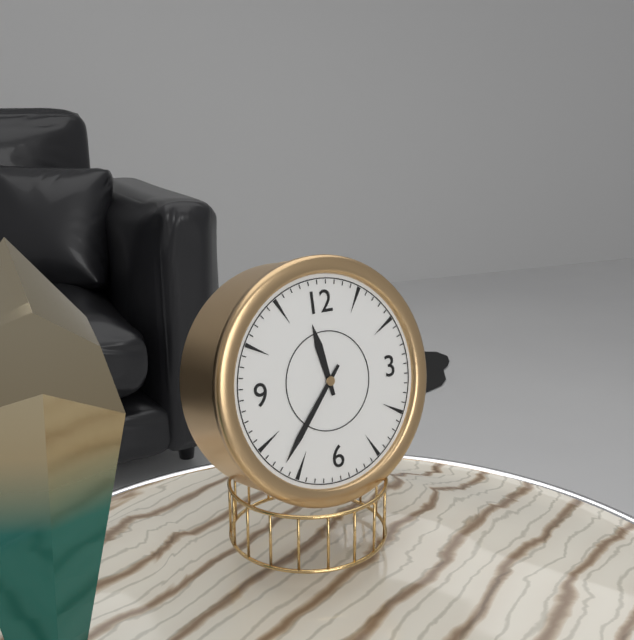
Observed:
11:37
